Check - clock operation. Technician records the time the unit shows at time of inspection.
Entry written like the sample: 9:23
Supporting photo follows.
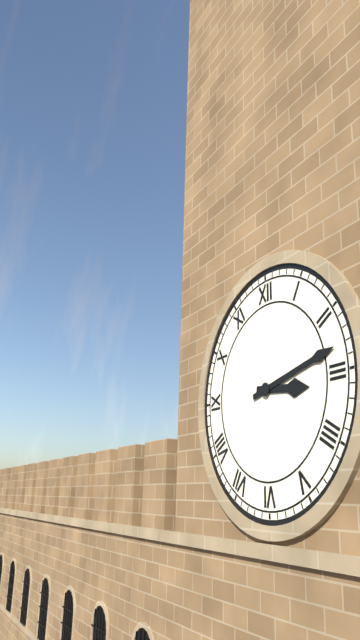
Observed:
3:13
